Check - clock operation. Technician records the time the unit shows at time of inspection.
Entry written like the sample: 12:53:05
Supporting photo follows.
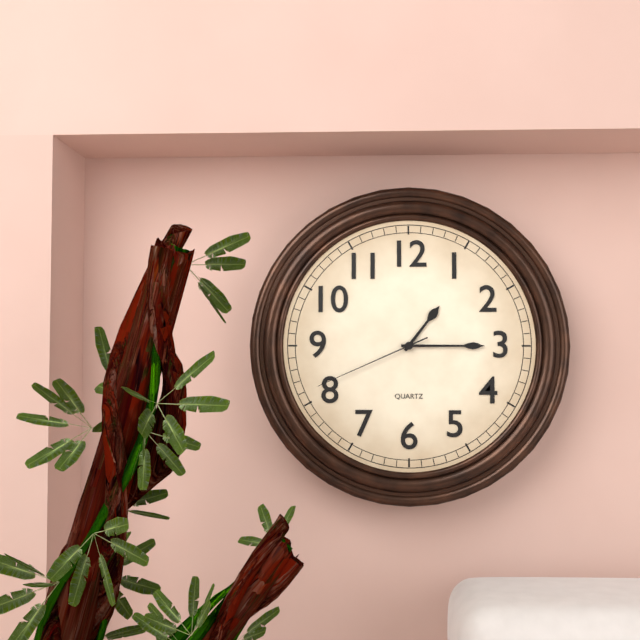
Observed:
1:15:41
